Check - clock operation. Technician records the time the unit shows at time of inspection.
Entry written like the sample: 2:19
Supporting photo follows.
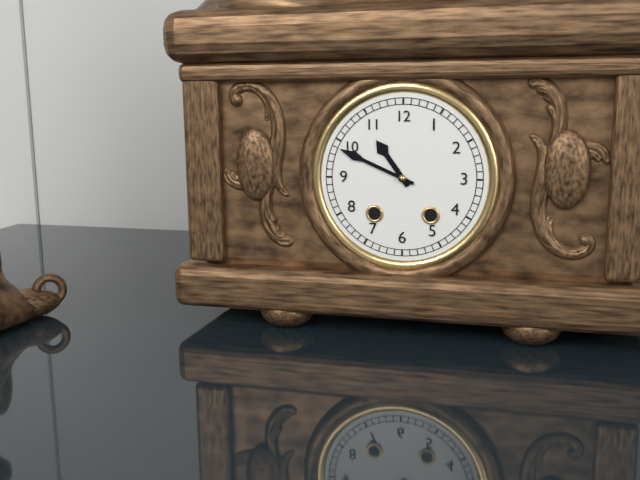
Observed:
10:49
